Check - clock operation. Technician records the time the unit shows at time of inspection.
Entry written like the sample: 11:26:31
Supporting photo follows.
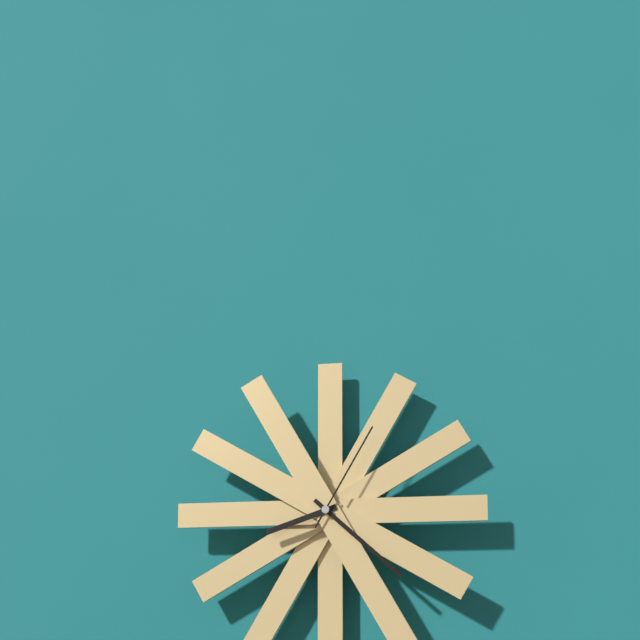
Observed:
8:22:05
